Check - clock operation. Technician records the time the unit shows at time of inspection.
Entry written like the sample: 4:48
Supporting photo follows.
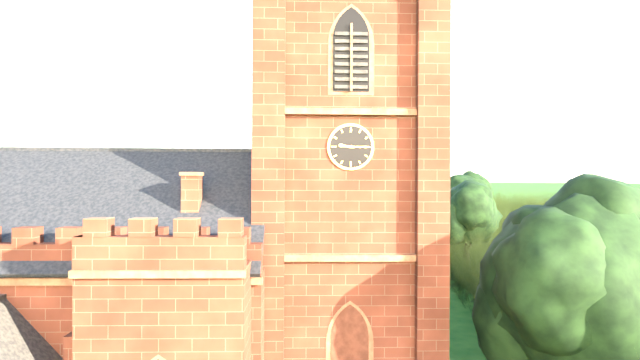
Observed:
9:15
